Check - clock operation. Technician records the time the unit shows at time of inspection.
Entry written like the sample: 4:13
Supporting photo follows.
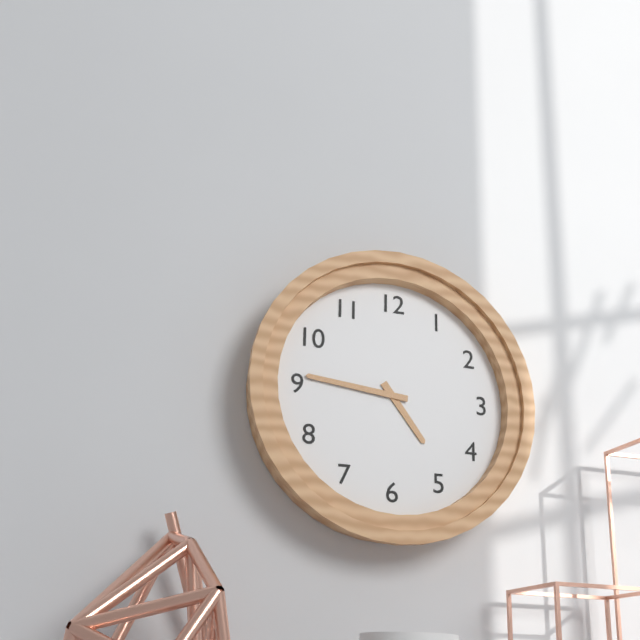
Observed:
4:46
